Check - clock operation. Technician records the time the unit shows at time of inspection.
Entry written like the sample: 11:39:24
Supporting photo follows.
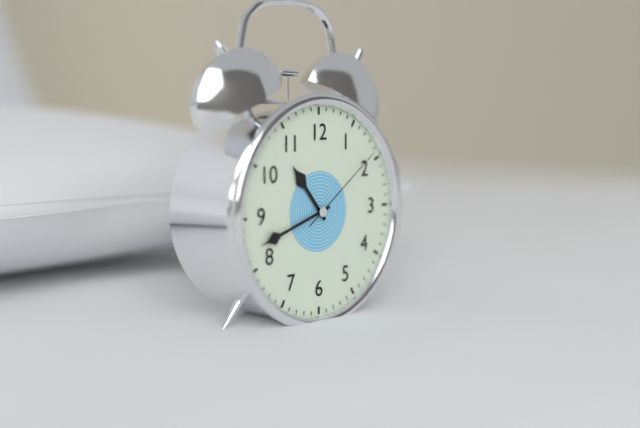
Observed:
10:42:09
